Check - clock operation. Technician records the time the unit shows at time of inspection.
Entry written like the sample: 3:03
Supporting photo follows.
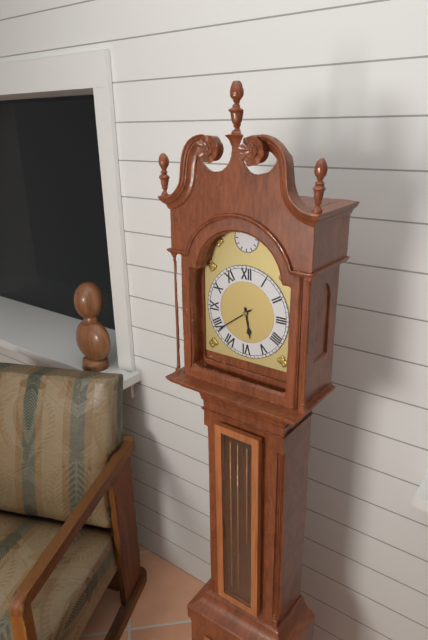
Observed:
5:39
